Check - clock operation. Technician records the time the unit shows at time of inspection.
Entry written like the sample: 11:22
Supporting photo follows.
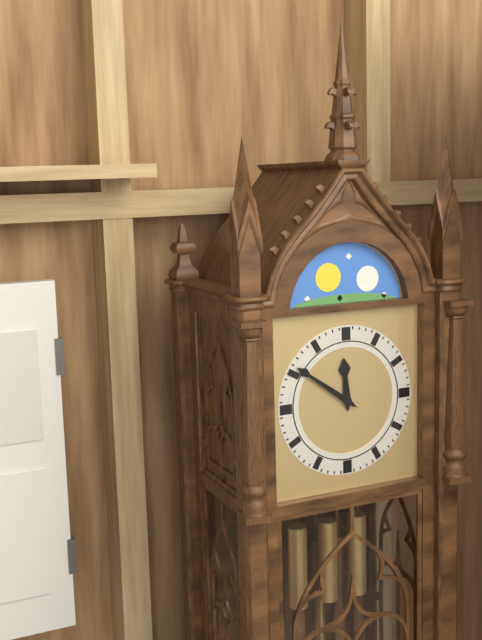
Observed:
11:51
